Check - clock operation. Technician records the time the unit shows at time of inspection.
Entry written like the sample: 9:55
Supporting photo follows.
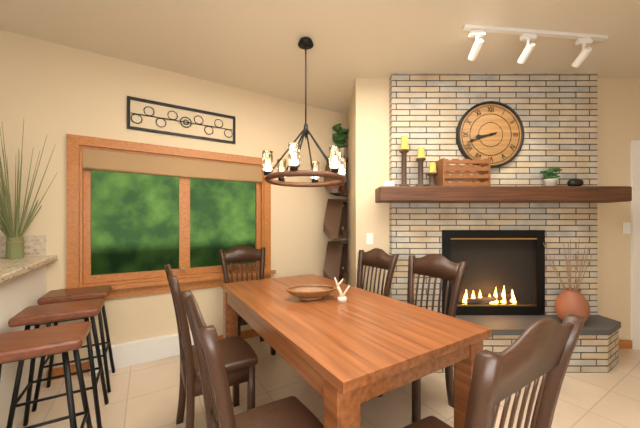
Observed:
8:42
